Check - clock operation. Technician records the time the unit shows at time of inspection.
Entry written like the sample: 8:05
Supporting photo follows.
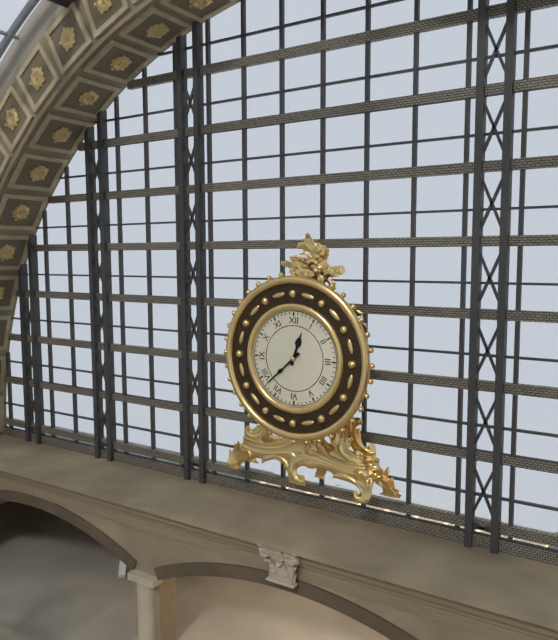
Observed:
12:38
